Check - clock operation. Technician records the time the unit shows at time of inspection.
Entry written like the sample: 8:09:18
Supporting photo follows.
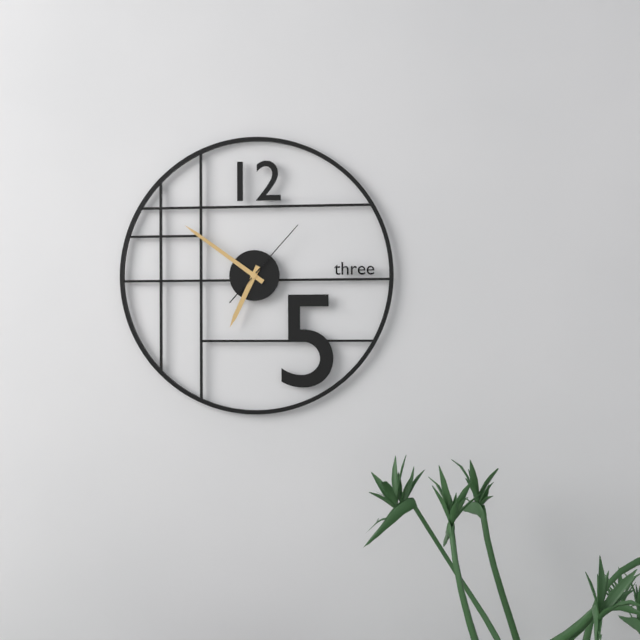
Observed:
6:51:07
